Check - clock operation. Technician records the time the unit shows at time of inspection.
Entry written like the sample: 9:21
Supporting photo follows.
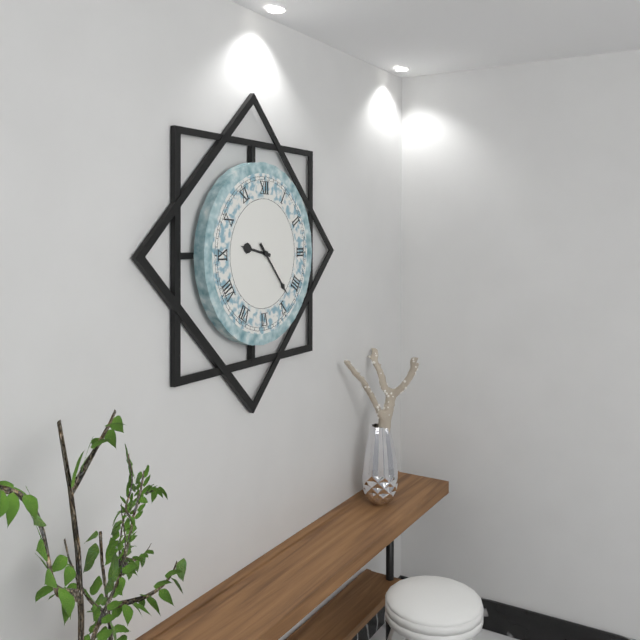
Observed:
9:23
